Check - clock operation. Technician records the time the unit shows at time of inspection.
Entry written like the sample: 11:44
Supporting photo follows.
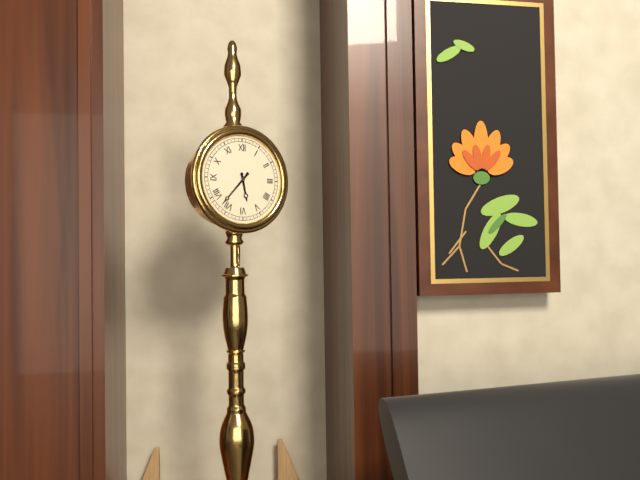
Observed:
5:37
